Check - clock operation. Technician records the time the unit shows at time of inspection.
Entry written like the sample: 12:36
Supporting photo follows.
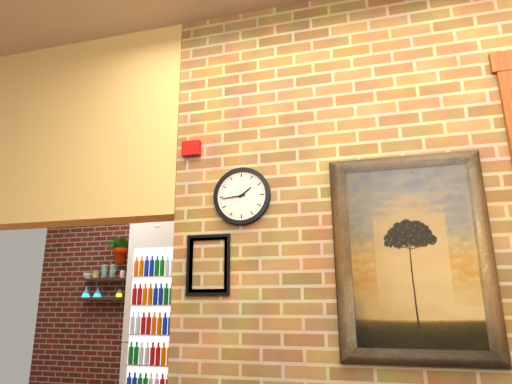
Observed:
1:44
